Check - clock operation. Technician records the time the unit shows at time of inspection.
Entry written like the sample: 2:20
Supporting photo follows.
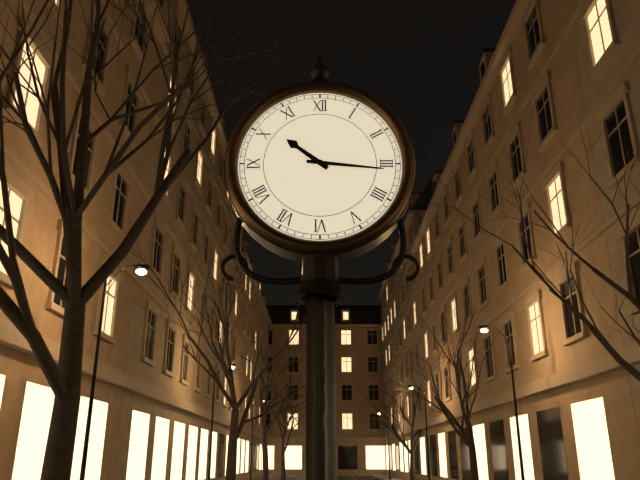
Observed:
10:16
